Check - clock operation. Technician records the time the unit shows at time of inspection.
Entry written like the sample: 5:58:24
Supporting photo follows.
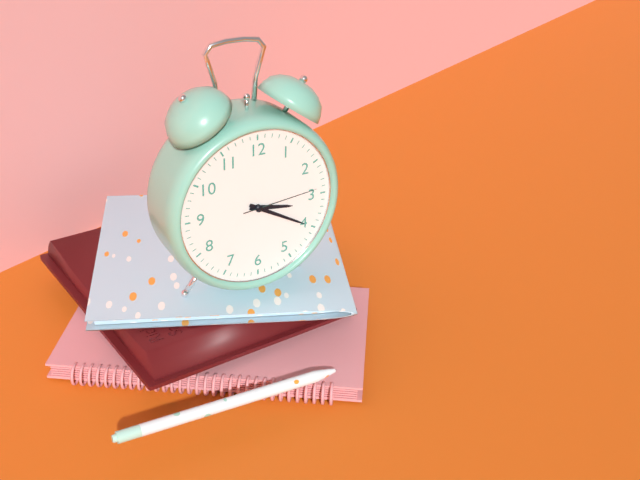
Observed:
3:20:14
